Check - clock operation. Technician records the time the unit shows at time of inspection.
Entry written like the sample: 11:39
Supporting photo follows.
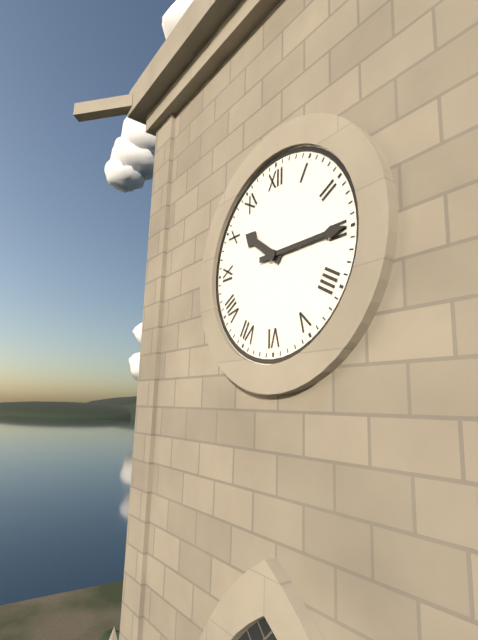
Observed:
10:15
